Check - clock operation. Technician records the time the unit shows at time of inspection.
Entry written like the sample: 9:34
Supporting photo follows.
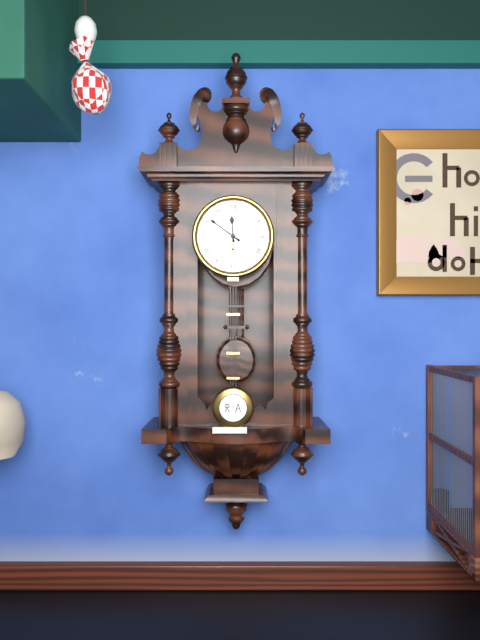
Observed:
11:51
